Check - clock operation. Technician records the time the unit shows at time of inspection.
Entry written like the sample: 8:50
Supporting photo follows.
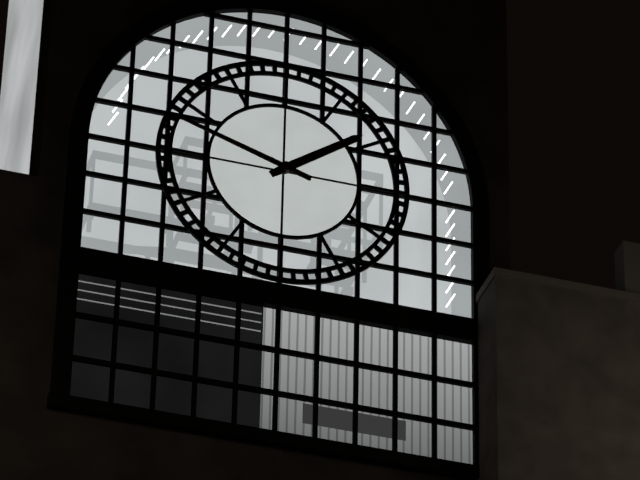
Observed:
1:48
